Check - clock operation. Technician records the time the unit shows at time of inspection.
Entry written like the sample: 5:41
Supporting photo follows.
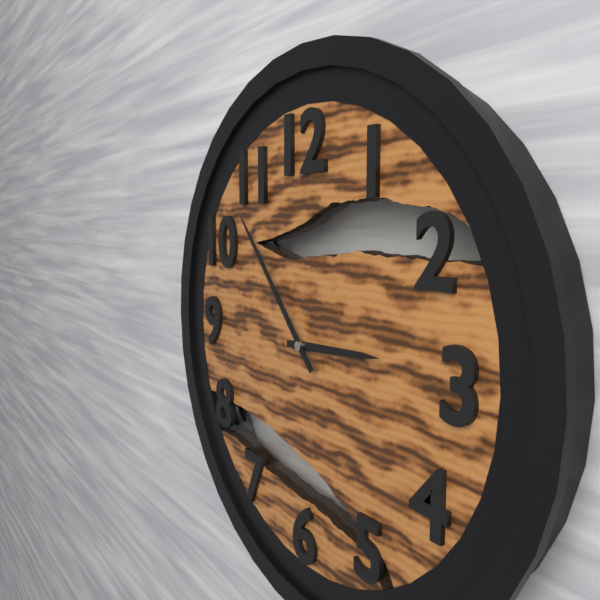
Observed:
2:53
